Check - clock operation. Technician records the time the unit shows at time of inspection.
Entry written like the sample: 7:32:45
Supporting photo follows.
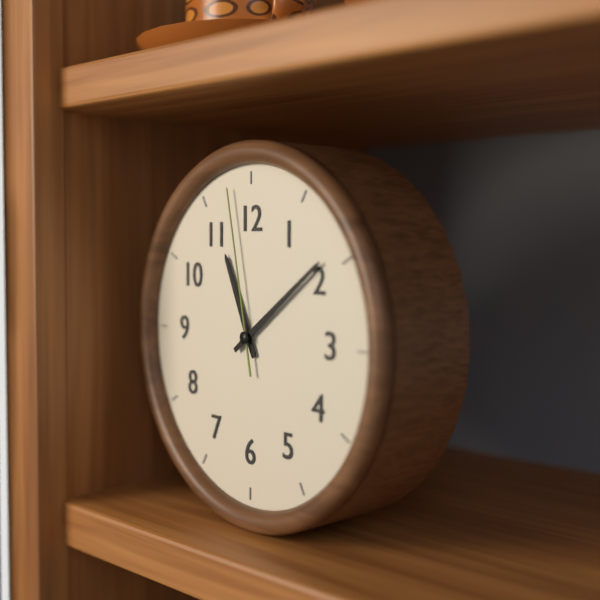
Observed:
11:09:58
